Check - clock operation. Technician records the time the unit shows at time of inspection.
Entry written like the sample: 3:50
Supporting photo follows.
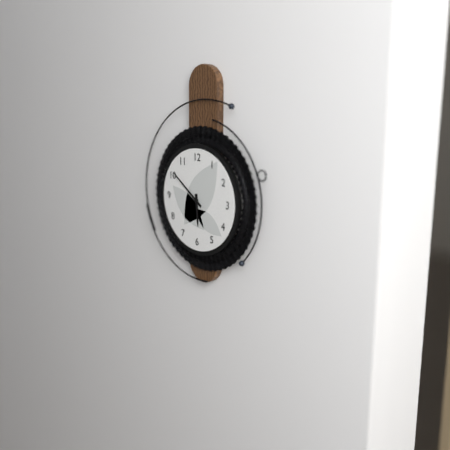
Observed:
5:51
